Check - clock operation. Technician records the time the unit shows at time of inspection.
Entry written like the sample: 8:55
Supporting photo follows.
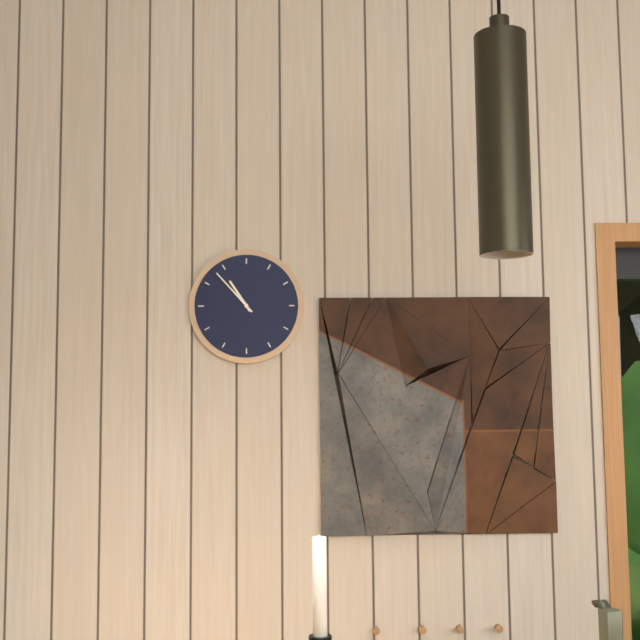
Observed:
10:53
